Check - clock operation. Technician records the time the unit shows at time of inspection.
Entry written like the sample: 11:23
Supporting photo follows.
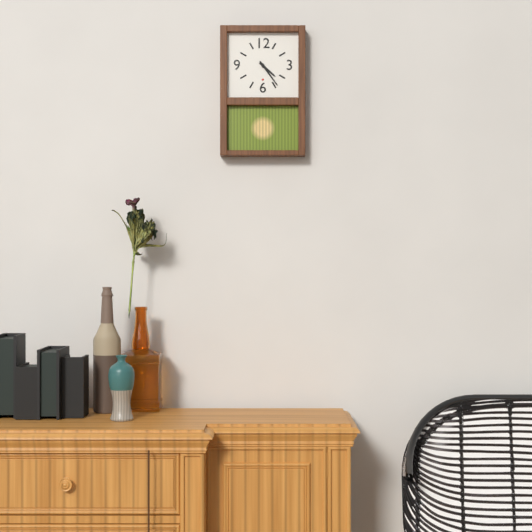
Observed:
4:24
